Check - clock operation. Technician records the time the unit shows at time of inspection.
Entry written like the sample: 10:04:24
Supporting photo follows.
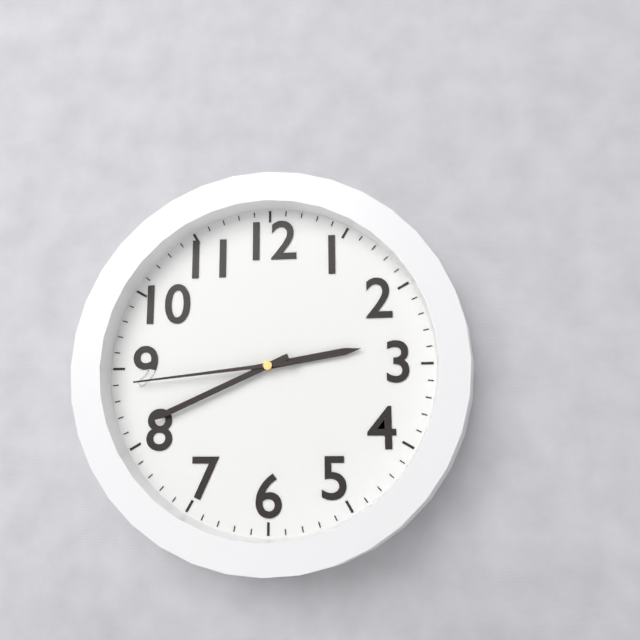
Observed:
2:41:44
